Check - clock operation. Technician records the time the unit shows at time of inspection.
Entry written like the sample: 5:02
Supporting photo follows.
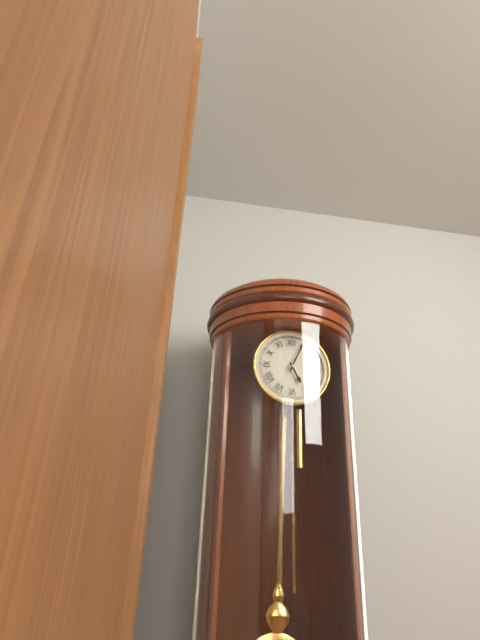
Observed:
5:04
